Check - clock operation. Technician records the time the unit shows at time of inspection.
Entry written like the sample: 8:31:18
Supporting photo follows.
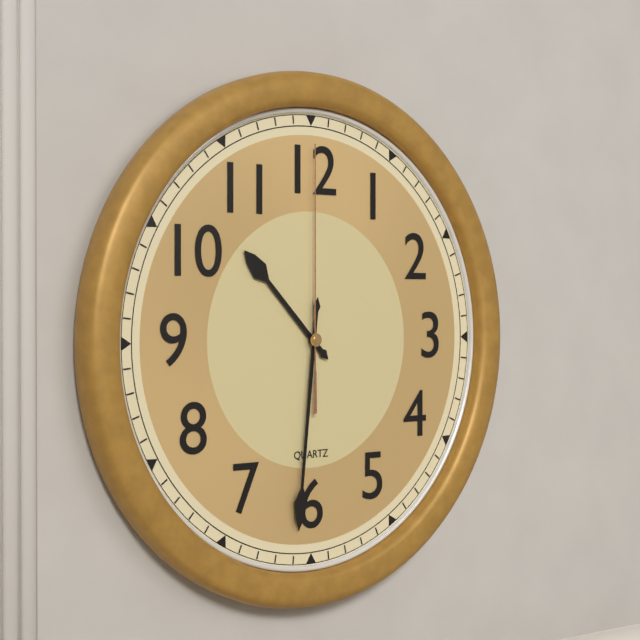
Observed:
10:31:00
